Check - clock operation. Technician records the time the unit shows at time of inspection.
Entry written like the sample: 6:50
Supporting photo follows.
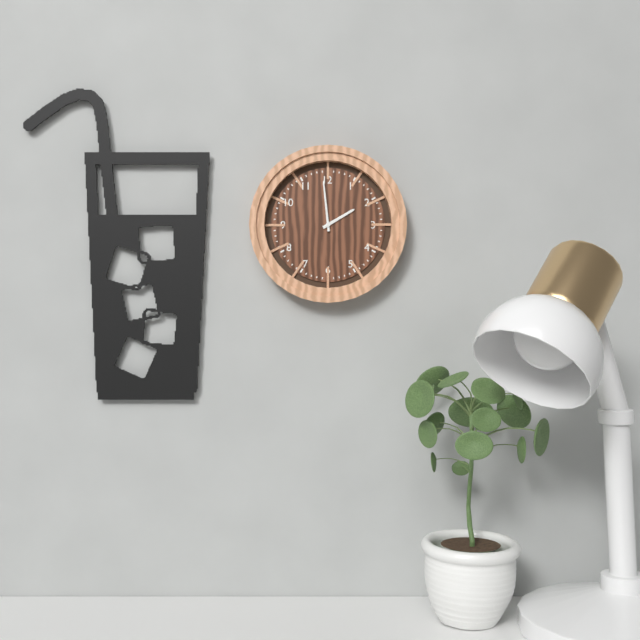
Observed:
1:59
